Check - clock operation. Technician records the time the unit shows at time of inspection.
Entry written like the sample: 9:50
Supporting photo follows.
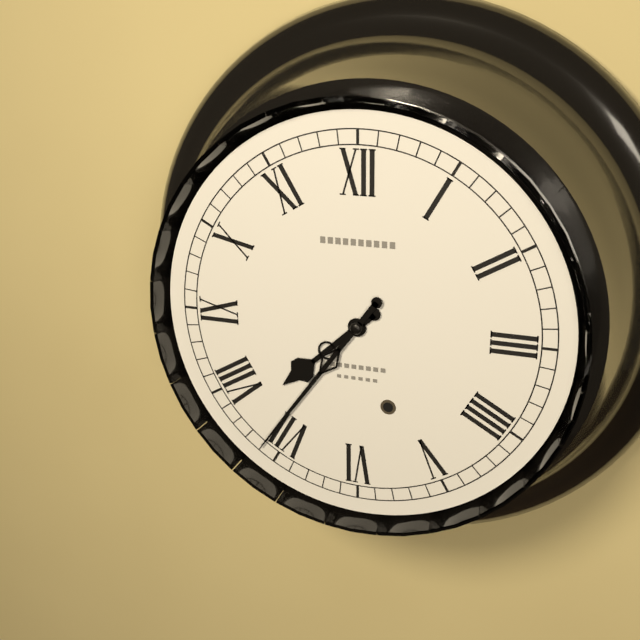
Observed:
7:36
